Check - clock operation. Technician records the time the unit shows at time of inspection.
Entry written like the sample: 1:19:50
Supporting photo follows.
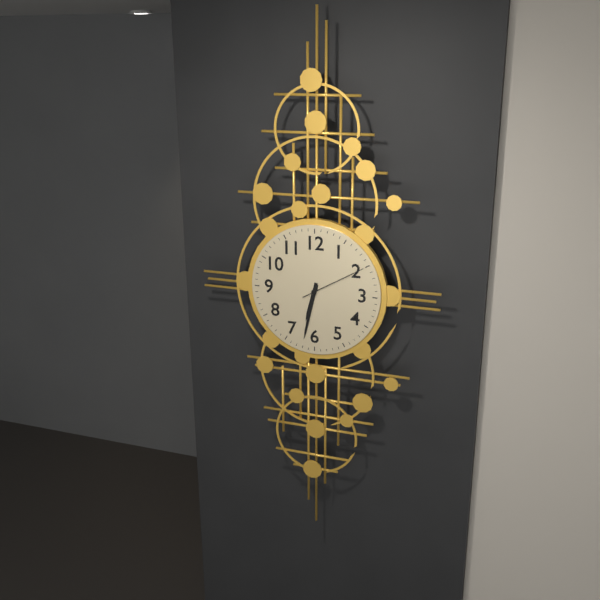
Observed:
6:32:10
